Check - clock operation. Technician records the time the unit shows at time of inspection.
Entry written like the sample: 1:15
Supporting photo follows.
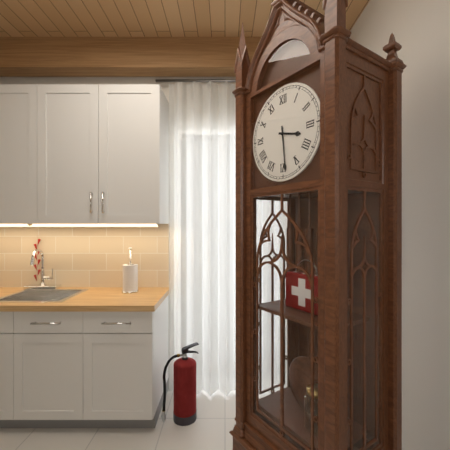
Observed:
3:29
